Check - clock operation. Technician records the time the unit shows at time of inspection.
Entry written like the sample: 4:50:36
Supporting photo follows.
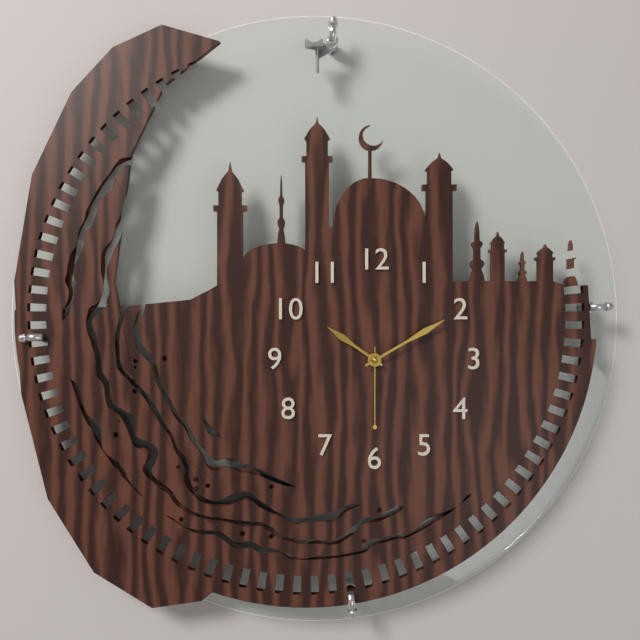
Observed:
10:10:30
